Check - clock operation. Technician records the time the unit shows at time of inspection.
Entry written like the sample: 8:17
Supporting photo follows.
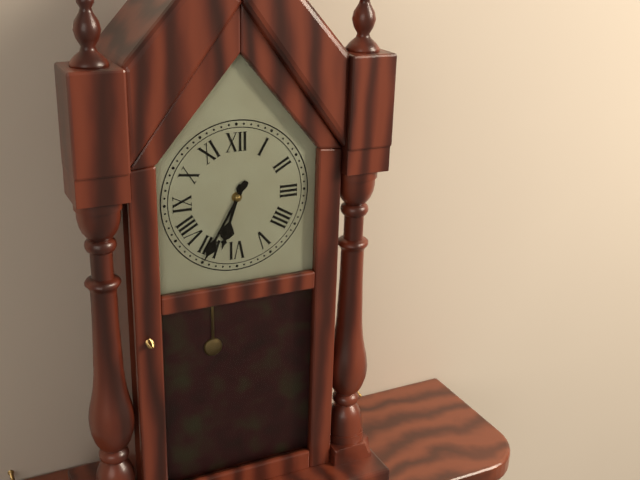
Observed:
6:35
